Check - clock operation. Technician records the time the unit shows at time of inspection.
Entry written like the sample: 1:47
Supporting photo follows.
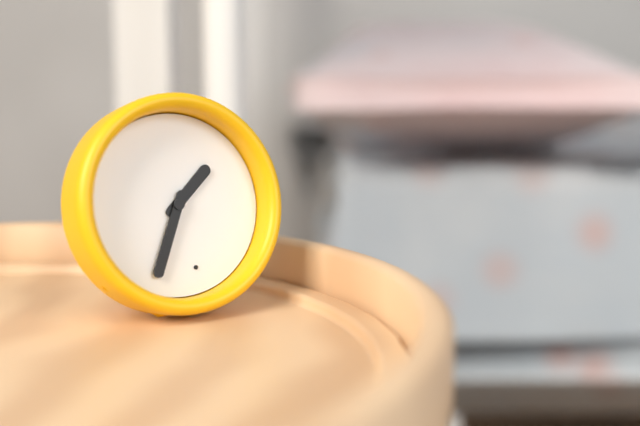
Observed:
1:34
